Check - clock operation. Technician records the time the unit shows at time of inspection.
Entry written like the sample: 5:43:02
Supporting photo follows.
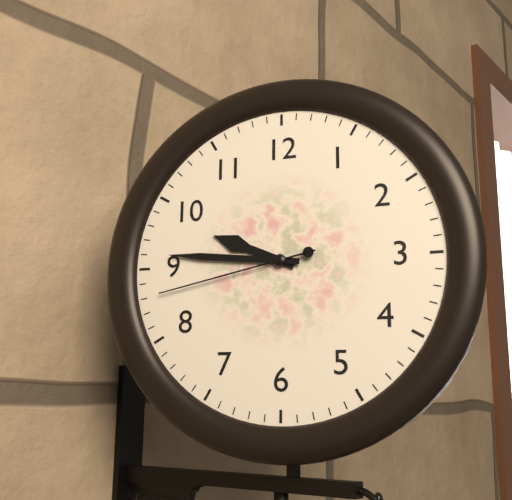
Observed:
9:46:43
